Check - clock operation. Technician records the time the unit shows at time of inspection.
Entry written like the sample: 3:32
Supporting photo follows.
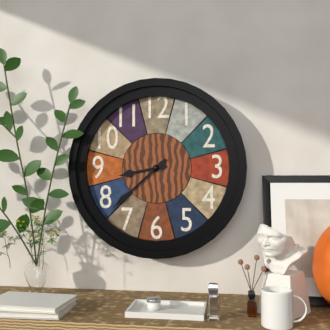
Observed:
8:38
